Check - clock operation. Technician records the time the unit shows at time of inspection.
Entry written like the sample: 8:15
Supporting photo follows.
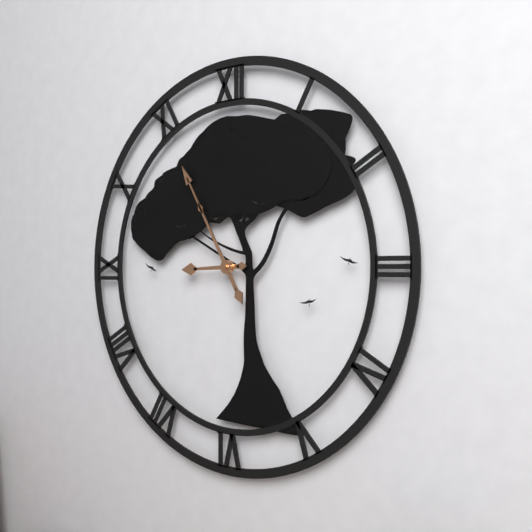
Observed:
8:55
